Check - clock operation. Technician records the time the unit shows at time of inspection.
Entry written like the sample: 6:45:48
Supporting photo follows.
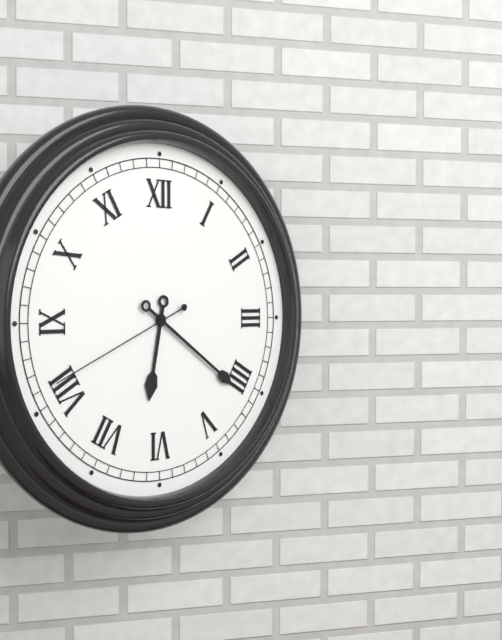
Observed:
6:21:41
